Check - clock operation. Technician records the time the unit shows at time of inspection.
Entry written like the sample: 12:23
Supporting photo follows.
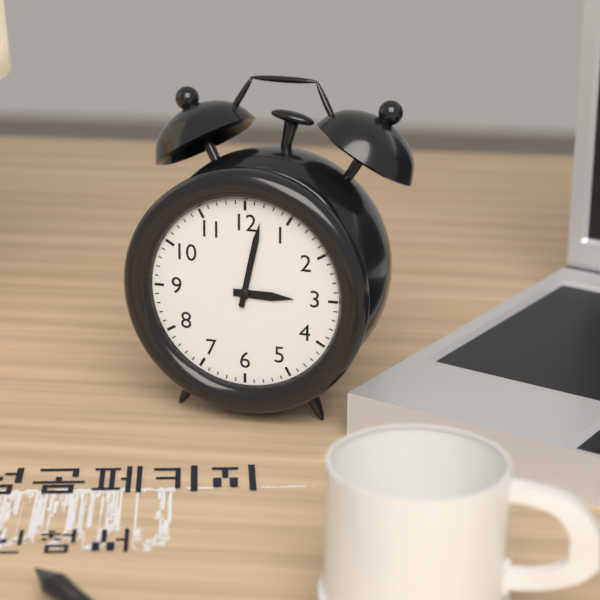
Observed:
3:02
